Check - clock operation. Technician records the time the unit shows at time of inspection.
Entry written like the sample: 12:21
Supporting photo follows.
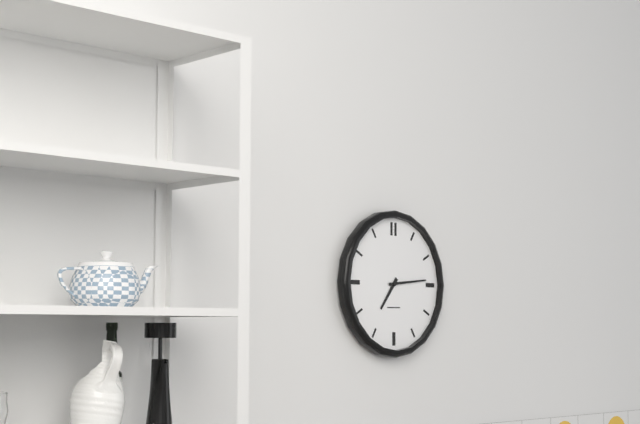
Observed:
7:14
